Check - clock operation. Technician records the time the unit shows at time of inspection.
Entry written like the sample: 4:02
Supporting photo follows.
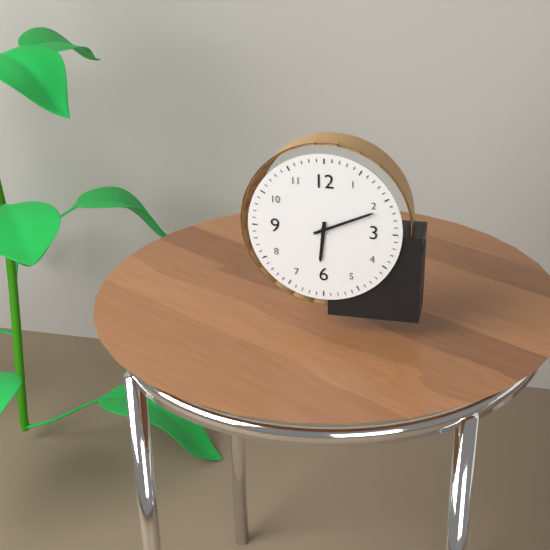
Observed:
6:11
